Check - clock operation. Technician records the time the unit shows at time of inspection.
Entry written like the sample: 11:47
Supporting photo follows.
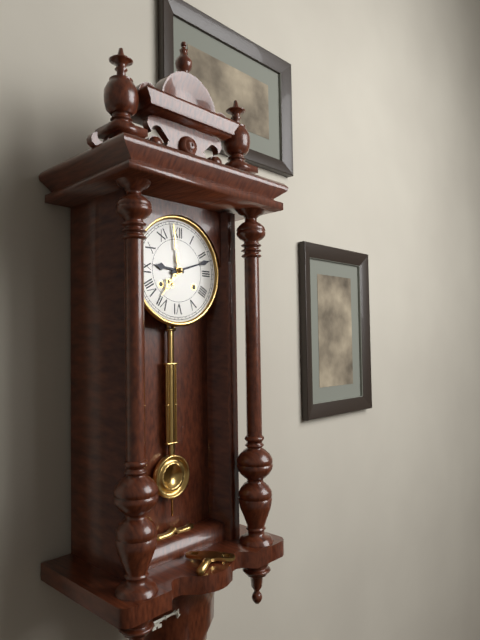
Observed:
9:12
